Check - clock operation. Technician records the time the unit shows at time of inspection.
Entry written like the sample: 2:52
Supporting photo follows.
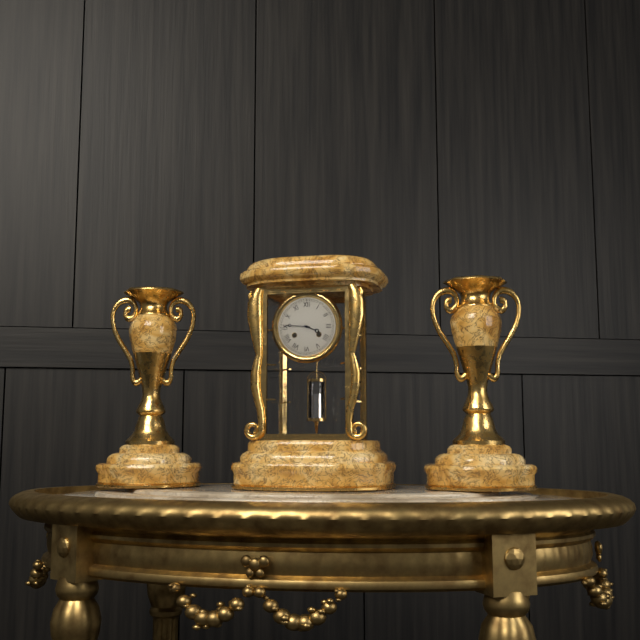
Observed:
3:46
